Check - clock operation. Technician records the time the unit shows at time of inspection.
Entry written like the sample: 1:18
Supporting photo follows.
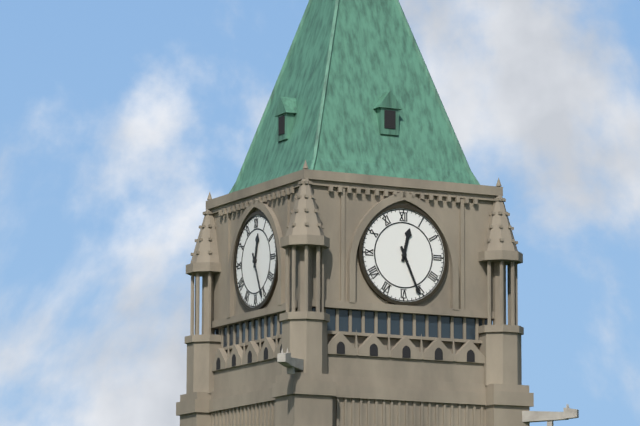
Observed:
12:26
